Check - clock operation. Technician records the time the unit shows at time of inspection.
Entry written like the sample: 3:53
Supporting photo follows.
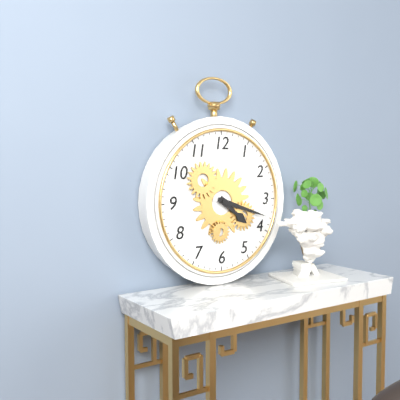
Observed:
4:18
